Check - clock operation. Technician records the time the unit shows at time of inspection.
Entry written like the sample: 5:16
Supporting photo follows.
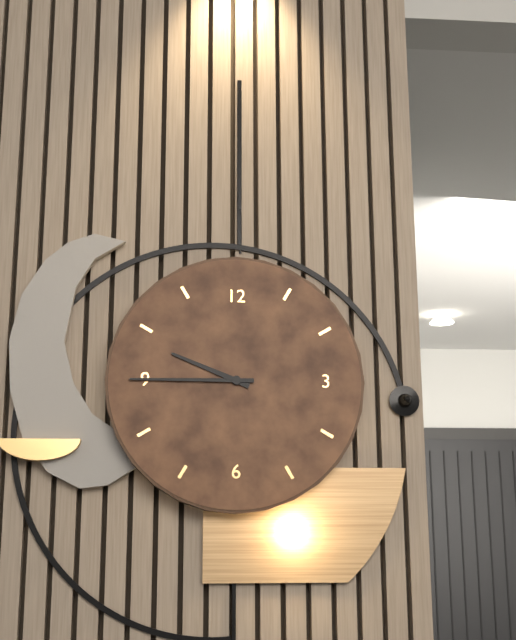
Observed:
9:45
